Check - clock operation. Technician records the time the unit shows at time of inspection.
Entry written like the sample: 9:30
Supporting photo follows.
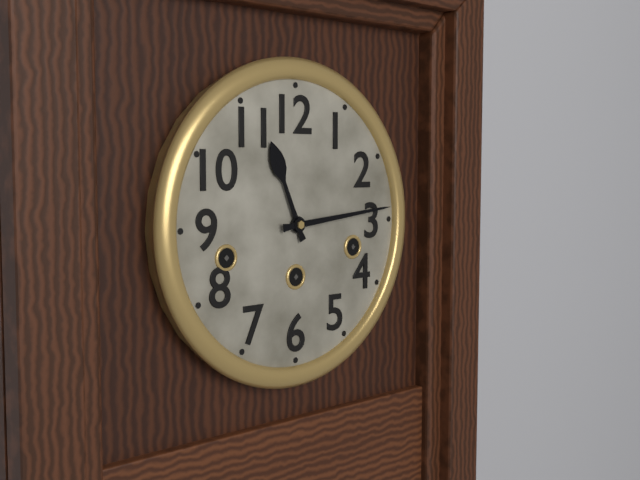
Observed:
11:14
